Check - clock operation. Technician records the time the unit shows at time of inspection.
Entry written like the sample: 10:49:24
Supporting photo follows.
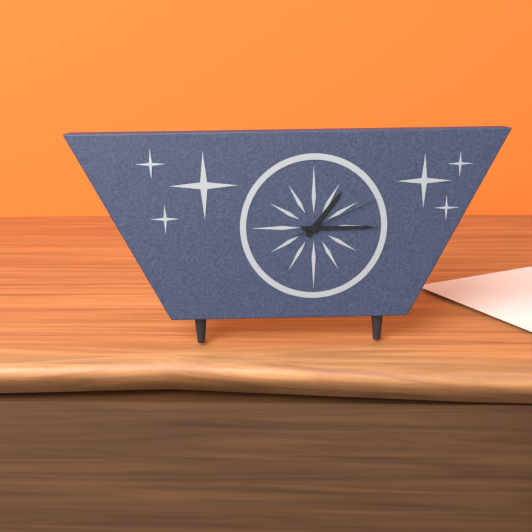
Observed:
1:15:11
